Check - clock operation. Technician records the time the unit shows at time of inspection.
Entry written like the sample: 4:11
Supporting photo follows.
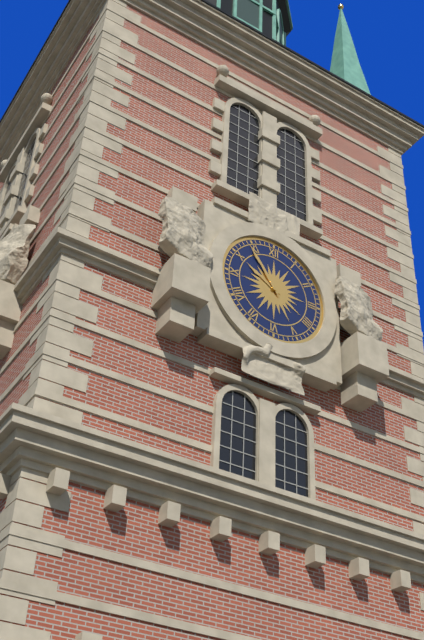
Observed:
9:54
